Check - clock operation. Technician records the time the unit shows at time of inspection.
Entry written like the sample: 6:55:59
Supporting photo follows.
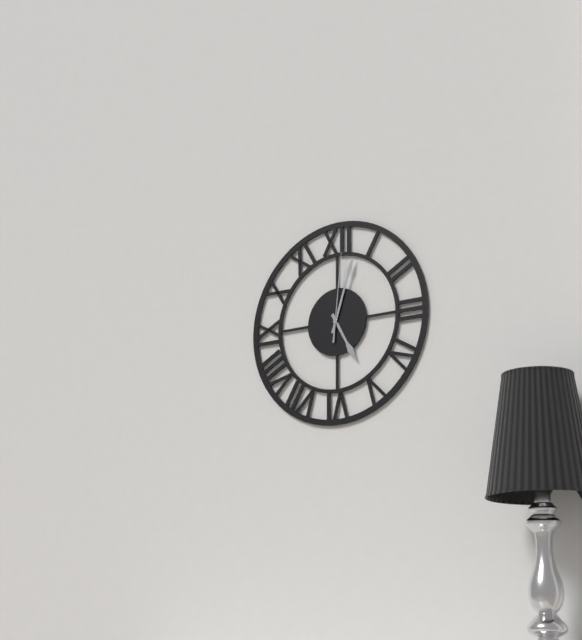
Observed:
5:03:01
